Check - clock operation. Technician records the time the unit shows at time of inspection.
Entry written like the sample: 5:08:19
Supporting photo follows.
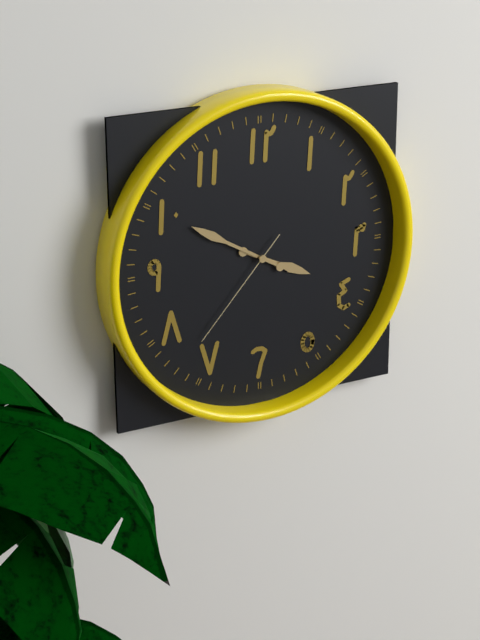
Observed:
3:50:37
